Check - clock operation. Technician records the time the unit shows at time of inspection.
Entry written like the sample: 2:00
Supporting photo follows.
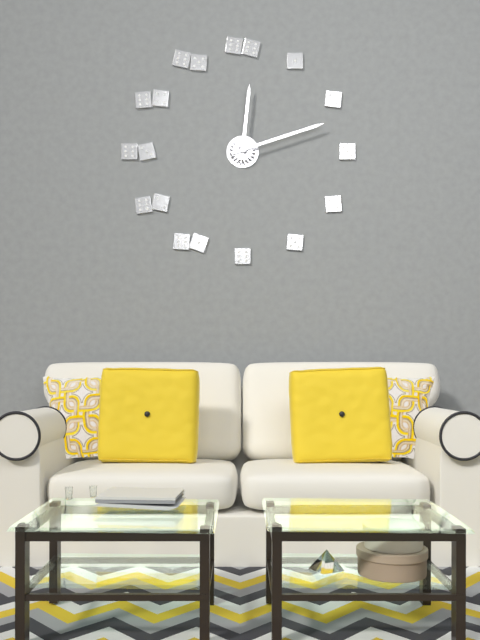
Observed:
12:12
